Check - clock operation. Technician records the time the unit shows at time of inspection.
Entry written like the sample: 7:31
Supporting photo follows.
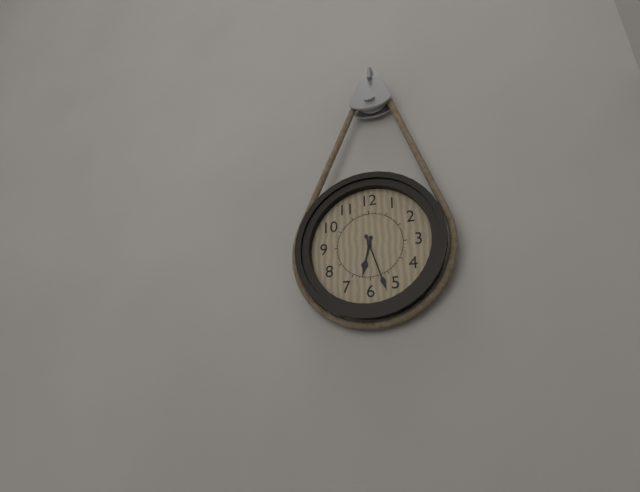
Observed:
6:27
